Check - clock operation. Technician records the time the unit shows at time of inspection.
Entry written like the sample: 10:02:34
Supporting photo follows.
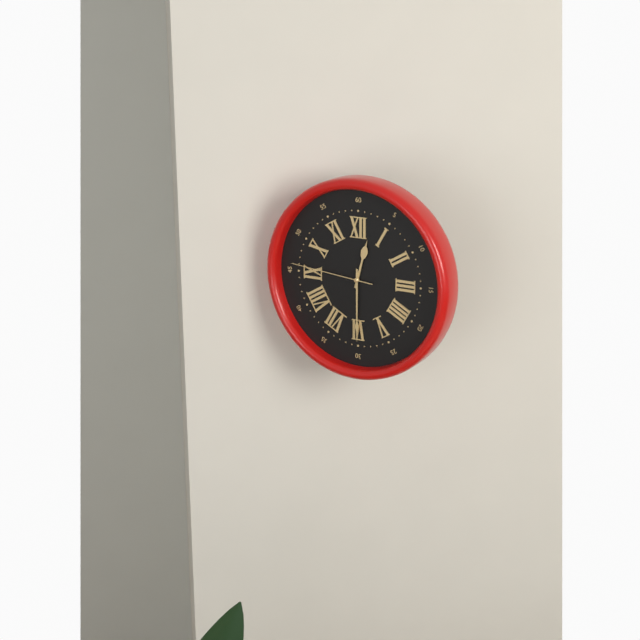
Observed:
12:30:46
